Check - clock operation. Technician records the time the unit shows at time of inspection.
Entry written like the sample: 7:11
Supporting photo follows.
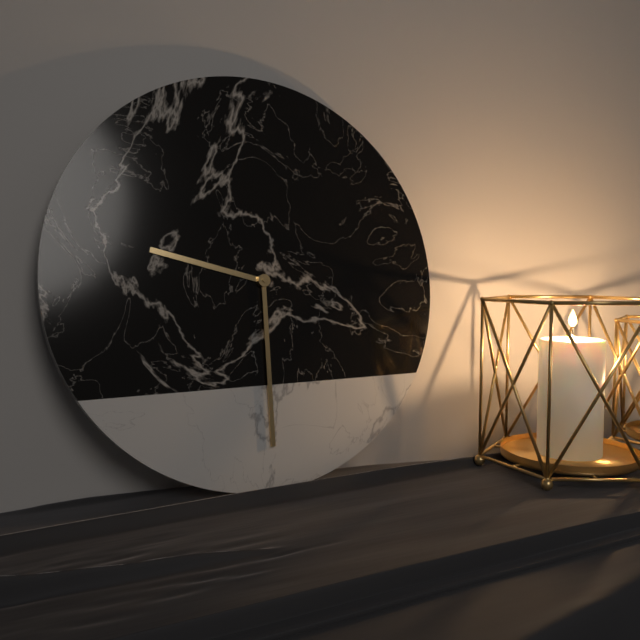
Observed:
9:30
